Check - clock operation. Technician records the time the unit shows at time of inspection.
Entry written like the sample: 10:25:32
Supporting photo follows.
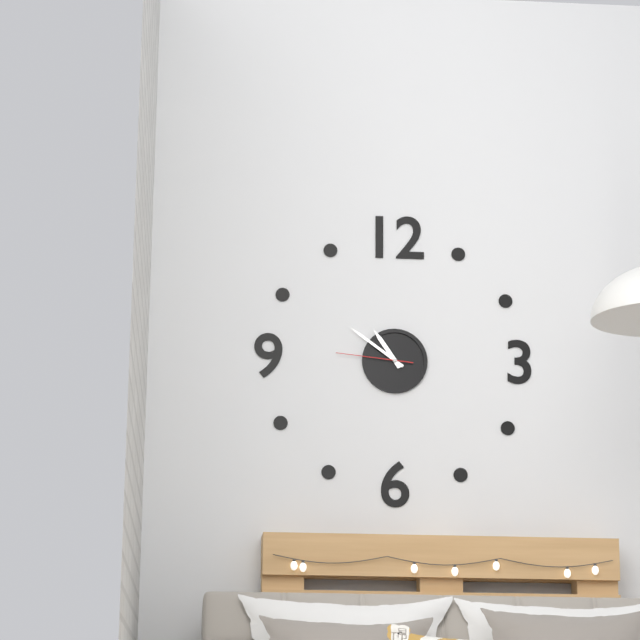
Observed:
10:51:46
